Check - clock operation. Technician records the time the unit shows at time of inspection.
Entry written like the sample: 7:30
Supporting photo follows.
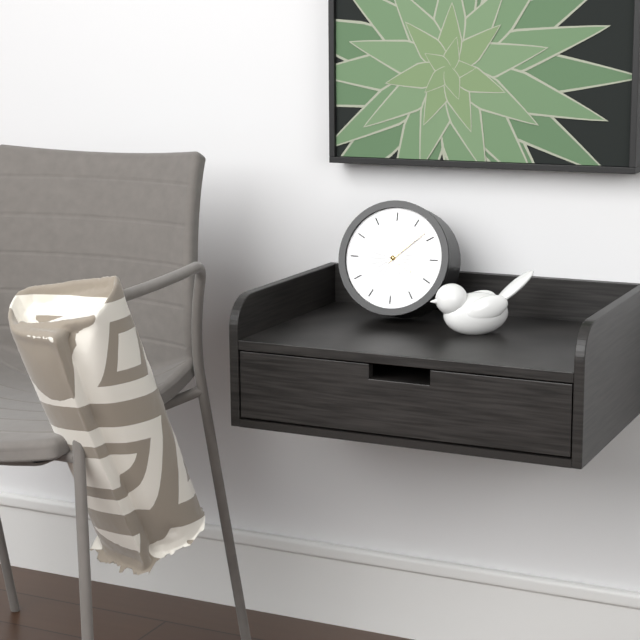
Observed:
4:08
